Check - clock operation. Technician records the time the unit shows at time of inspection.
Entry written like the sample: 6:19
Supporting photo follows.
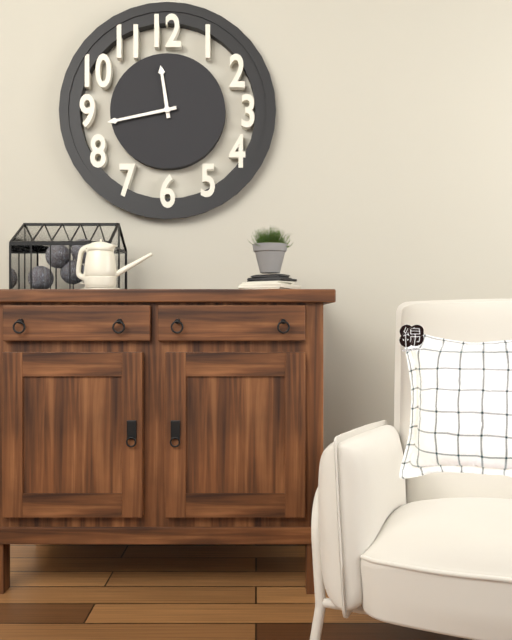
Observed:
11:43
